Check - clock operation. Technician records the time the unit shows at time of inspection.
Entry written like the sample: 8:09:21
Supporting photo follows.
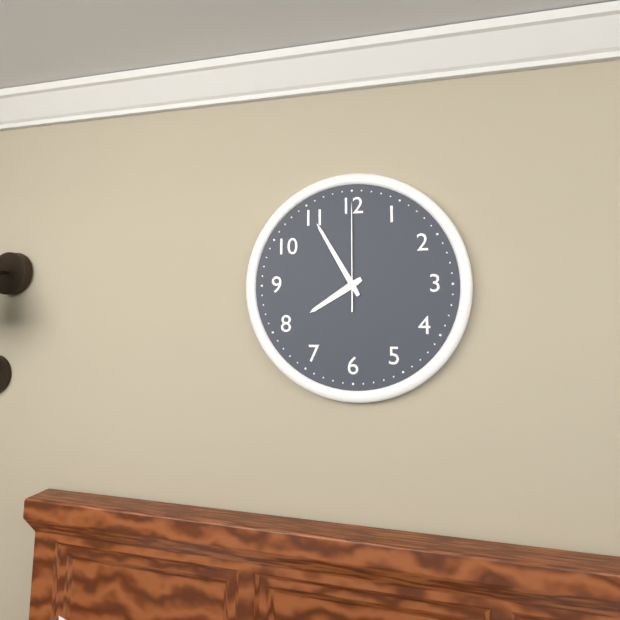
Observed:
7:55:00
